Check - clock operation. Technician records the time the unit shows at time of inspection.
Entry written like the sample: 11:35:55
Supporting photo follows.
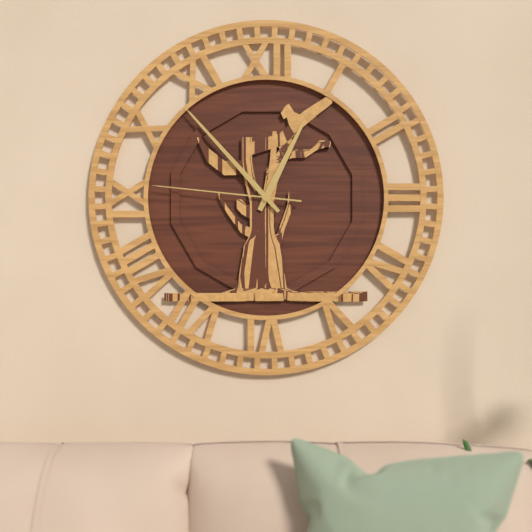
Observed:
12:53:46
